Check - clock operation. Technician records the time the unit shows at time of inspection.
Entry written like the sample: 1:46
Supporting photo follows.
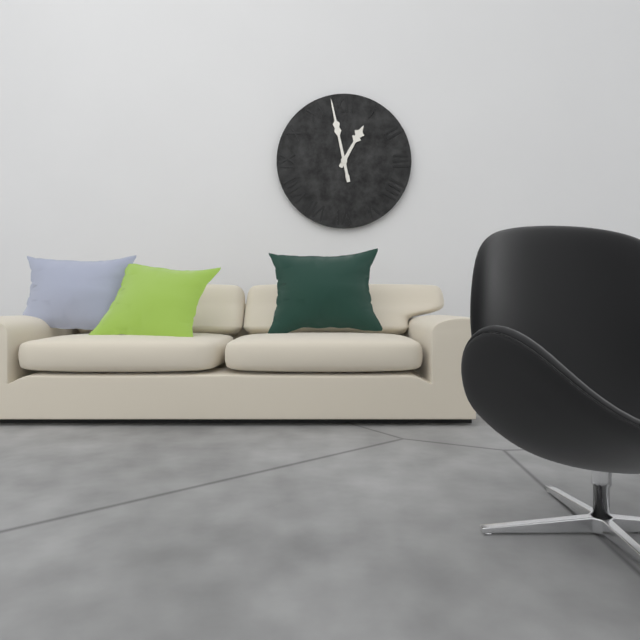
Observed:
12:58
